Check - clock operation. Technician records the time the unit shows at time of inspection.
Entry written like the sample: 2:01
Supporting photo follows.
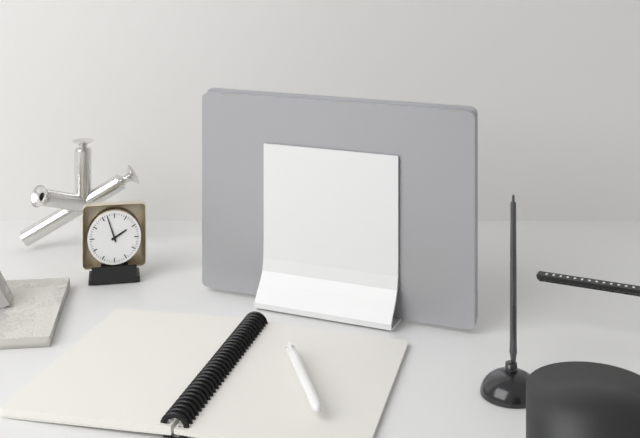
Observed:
1:57
